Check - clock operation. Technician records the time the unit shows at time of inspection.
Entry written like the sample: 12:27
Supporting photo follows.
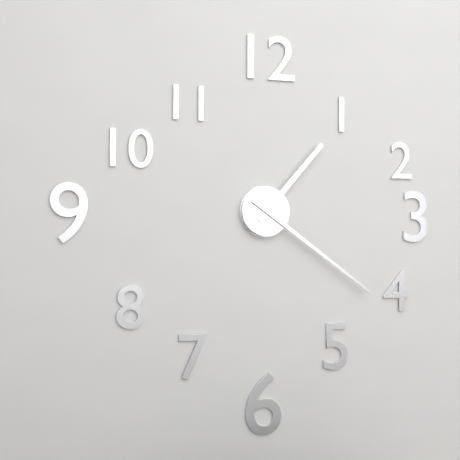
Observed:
1:21
